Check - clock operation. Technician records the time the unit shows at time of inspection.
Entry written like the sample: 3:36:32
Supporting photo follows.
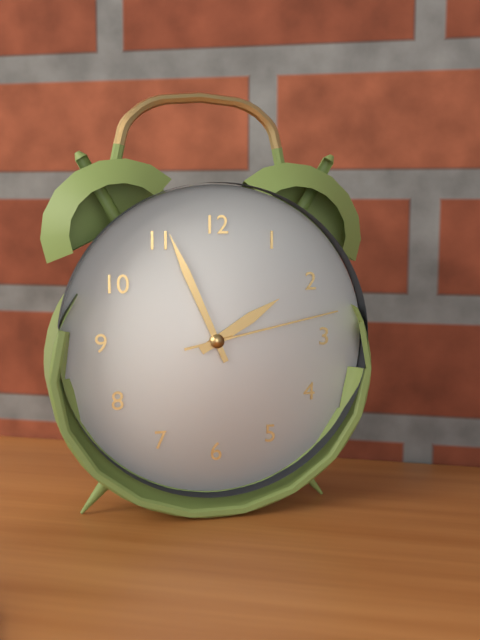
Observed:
1:56:13
